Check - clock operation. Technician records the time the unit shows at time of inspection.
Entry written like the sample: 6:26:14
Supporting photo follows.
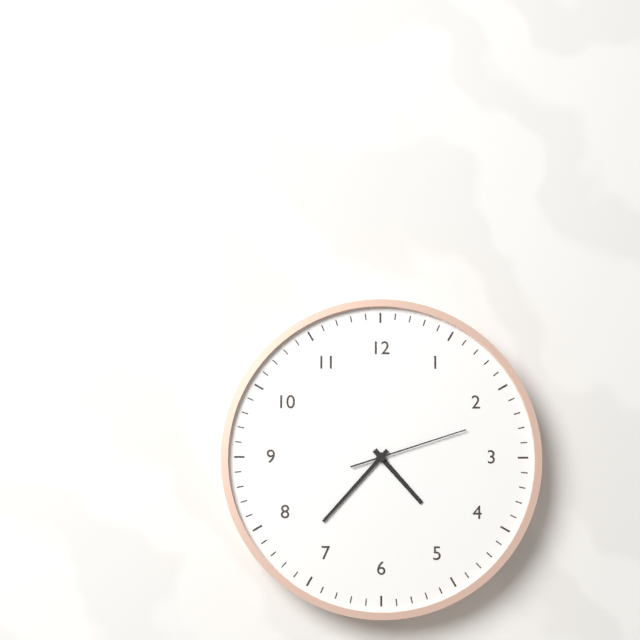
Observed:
4:37:12
